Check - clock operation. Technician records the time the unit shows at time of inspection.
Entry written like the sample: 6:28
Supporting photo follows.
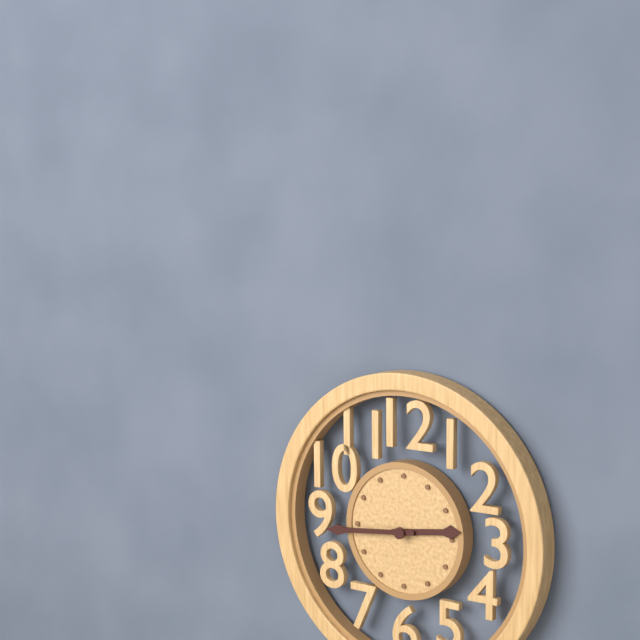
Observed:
2:44
